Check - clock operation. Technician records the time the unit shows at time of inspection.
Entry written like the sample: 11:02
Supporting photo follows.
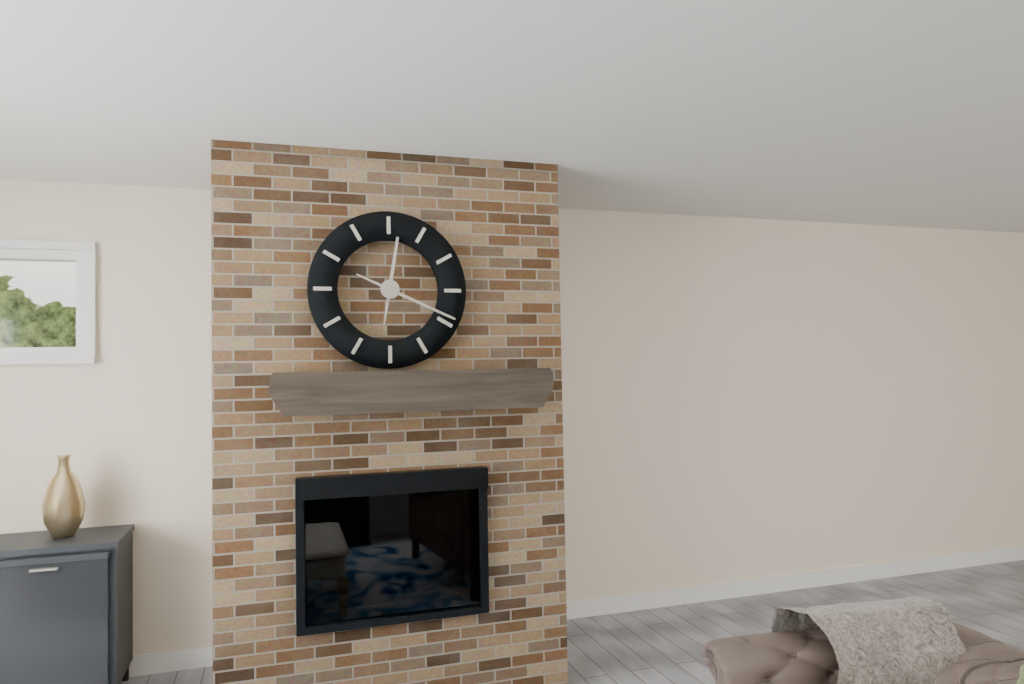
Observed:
12:19
